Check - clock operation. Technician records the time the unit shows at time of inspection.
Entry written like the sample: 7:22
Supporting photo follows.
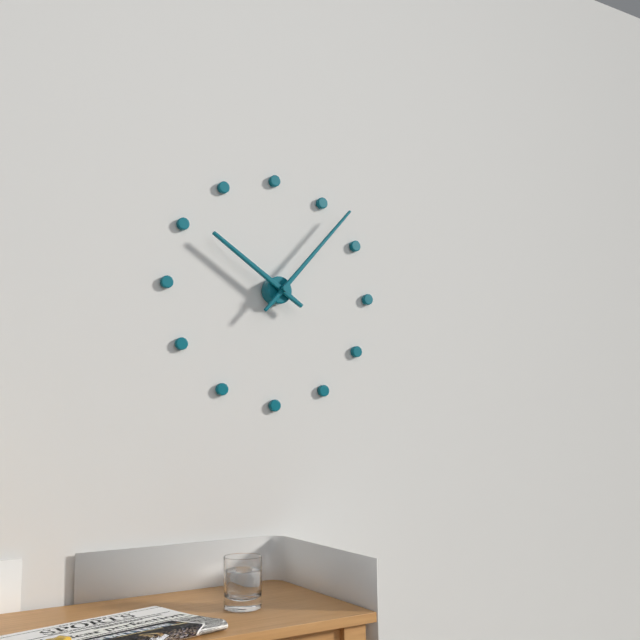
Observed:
10:07
